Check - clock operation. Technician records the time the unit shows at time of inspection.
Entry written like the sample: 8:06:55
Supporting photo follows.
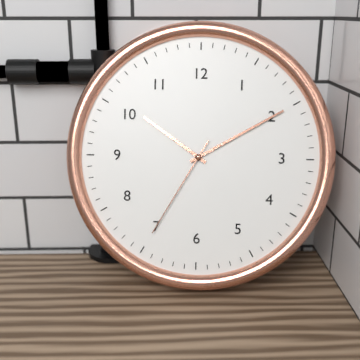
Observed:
10:10:35
